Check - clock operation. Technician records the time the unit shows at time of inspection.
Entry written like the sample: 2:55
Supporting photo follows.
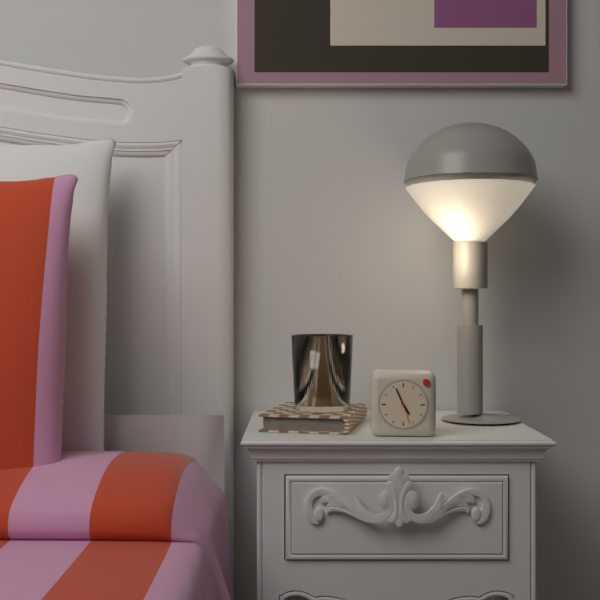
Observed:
4:56
